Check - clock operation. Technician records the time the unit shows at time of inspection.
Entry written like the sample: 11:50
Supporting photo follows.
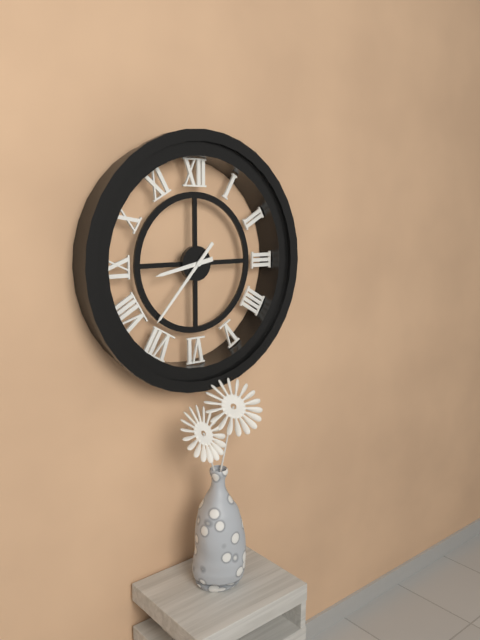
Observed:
8:37
